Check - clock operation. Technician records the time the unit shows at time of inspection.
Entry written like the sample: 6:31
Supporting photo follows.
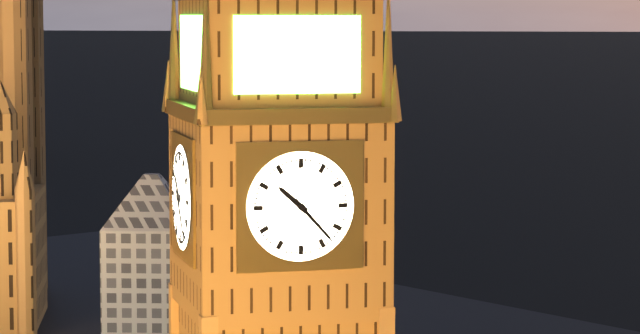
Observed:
10:23
